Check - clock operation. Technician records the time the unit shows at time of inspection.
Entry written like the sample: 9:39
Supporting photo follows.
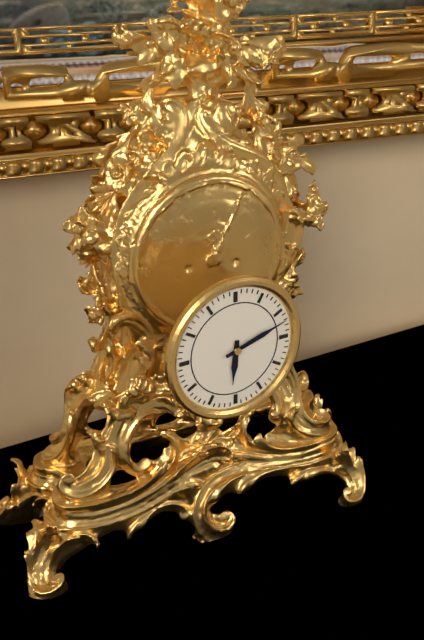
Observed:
6:12
